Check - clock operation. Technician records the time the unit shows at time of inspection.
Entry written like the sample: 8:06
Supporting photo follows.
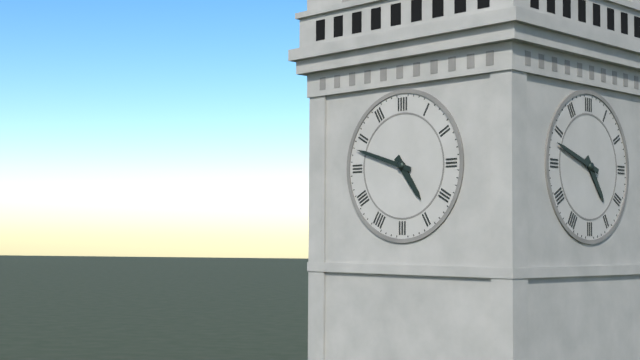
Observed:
4:48
